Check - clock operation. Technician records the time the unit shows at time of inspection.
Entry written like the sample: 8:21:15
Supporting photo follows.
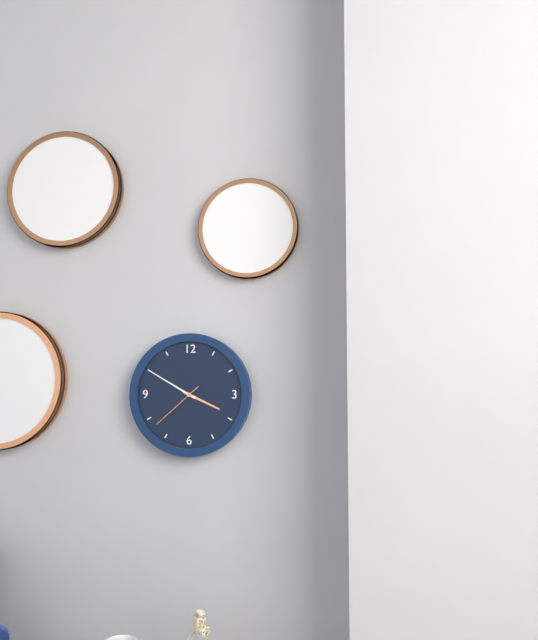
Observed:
3:50:38
